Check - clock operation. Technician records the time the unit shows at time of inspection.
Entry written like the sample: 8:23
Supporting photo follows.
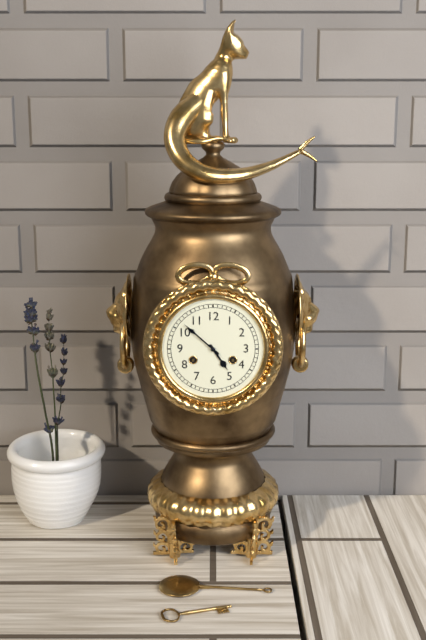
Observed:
4:52
